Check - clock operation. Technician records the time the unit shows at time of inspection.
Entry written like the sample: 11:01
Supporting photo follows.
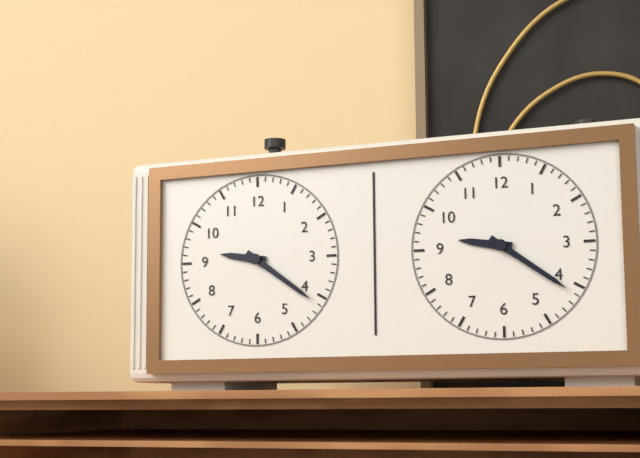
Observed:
9:21
